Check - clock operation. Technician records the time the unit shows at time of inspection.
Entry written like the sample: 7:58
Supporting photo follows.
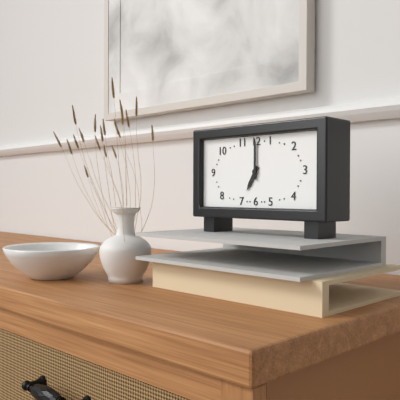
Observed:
7:00
